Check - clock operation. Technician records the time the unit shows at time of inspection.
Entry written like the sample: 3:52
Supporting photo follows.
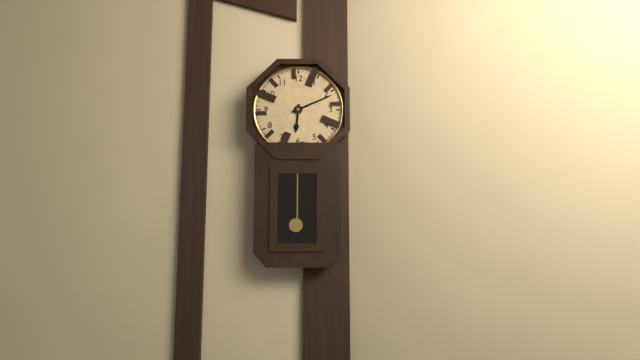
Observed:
6:11
